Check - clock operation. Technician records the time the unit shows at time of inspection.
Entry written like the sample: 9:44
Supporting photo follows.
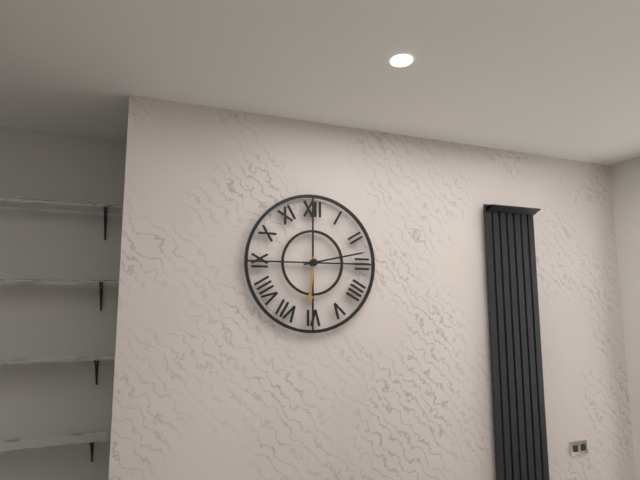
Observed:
6:13
